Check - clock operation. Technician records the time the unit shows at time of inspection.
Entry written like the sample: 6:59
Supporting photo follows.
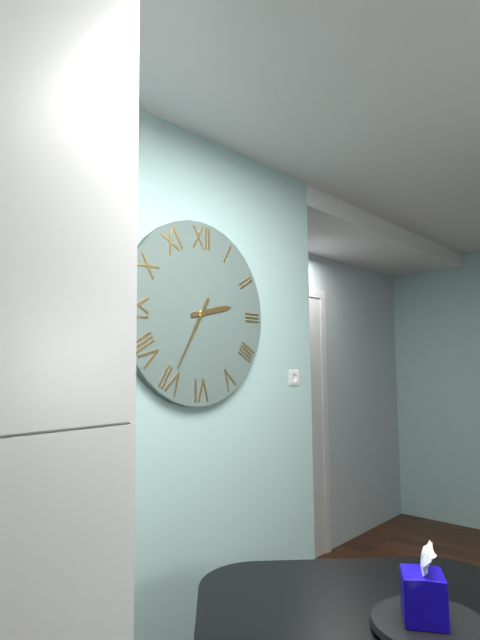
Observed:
2:35
